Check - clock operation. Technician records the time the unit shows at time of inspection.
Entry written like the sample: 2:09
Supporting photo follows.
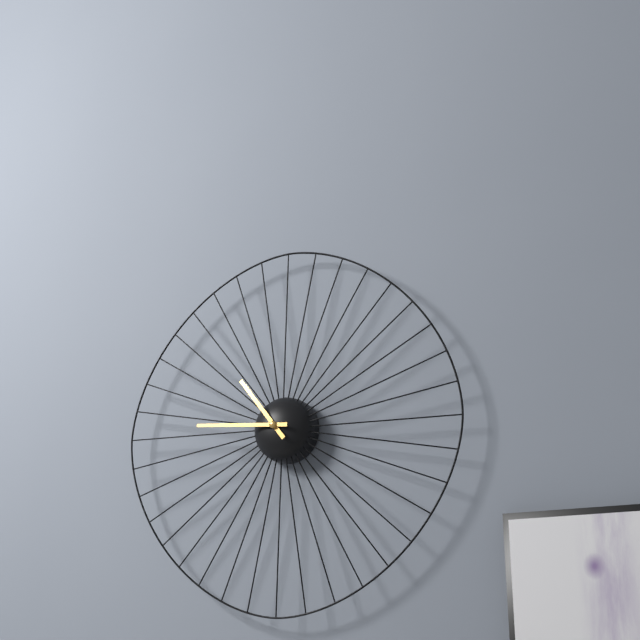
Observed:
10:46
